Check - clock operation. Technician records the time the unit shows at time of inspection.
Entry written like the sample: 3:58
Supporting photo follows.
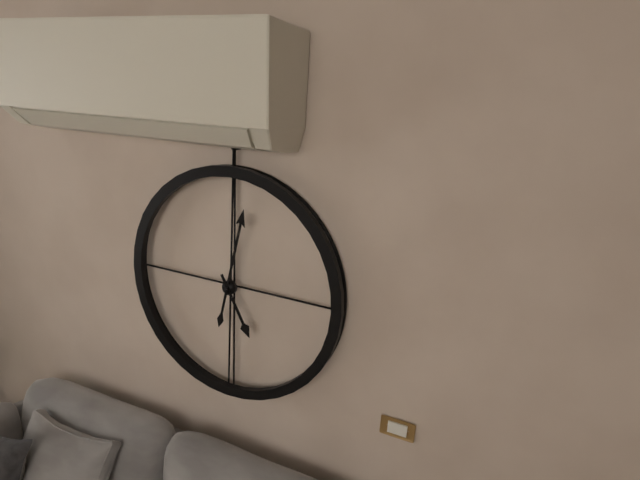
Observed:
5:02
